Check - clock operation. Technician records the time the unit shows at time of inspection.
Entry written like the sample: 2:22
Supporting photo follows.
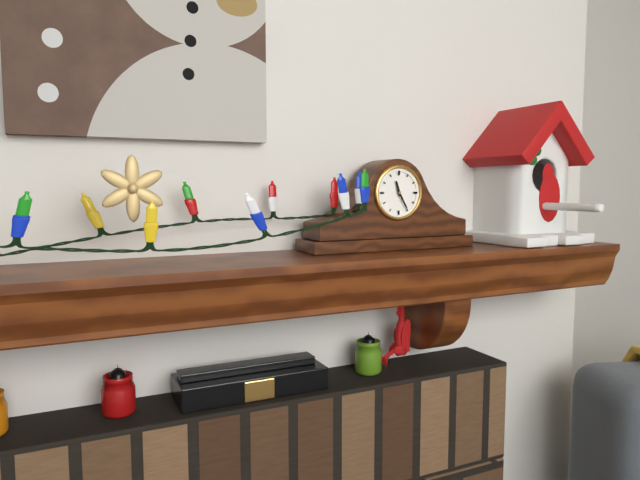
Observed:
11:25
